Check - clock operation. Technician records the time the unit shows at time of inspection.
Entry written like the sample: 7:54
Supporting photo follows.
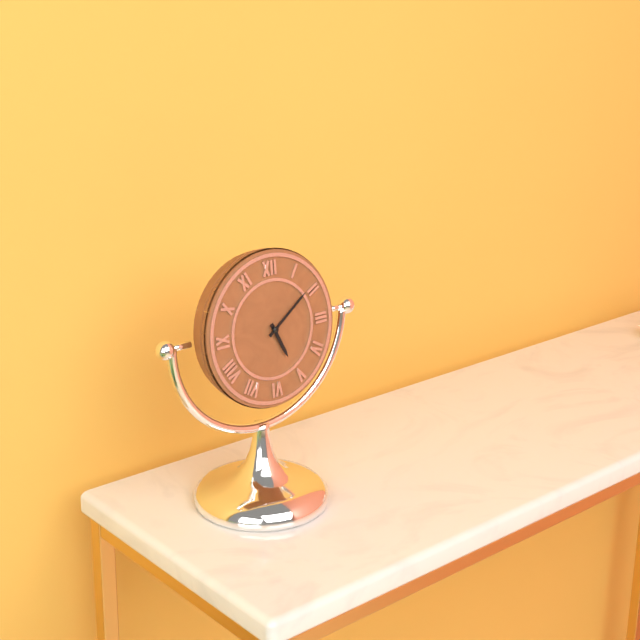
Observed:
5:09
